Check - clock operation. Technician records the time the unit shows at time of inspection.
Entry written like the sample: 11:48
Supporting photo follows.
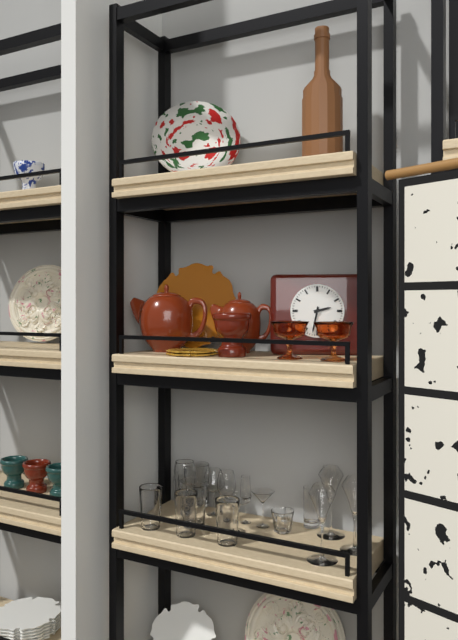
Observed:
2:32
